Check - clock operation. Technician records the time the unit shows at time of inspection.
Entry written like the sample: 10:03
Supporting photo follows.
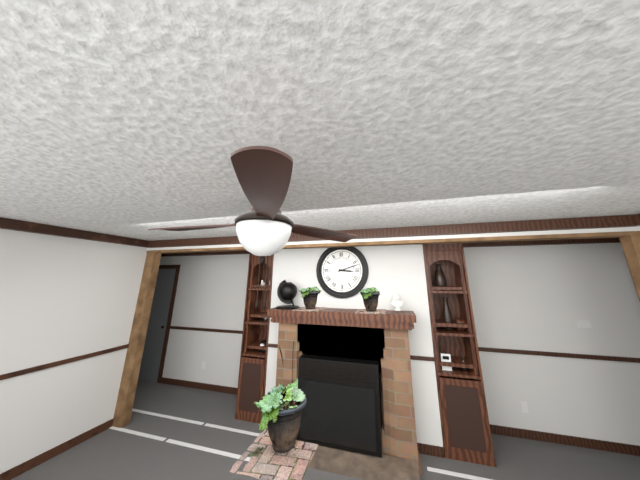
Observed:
3:12
